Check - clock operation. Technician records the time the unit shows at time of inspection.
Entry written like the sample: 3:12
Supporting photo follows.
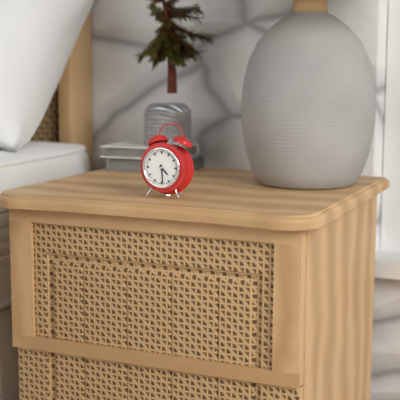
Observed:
4:29
